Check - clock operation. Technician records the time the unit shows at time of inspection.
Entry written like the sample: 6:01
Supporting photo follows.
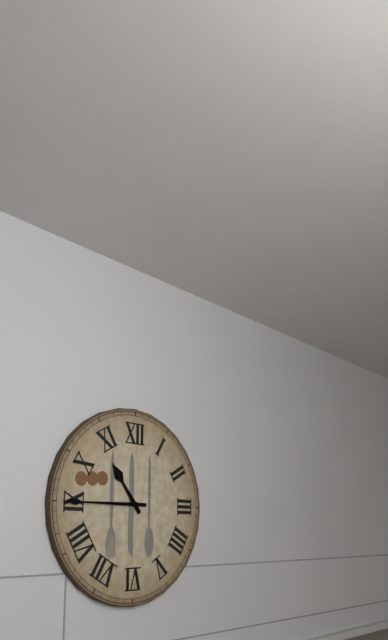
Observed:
10:45
